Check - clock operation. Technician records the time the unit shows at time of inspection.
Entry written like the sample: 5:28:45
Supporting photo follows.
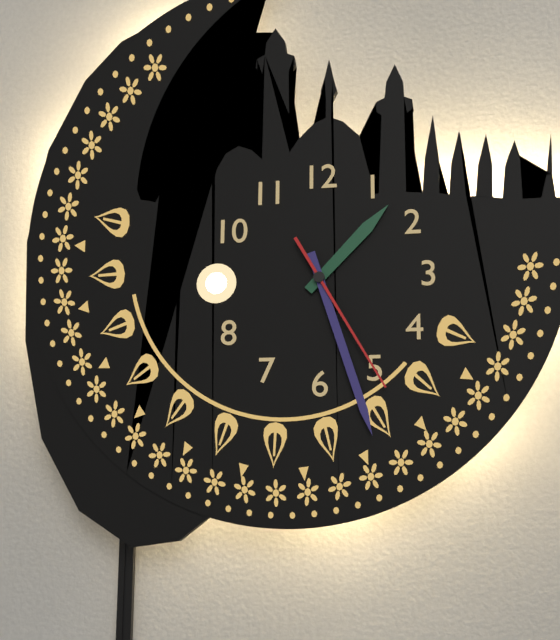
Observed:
1:27:25
